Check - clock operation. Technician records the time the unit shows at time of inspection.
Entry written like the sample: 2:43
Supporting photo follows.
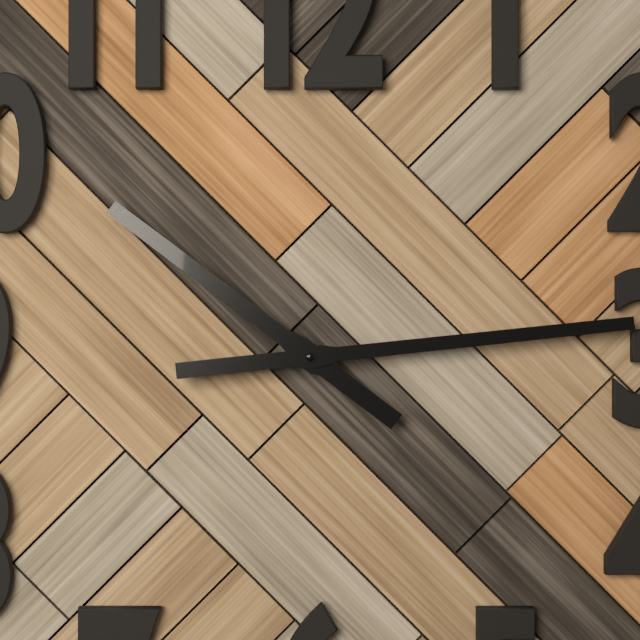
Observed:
10:14
